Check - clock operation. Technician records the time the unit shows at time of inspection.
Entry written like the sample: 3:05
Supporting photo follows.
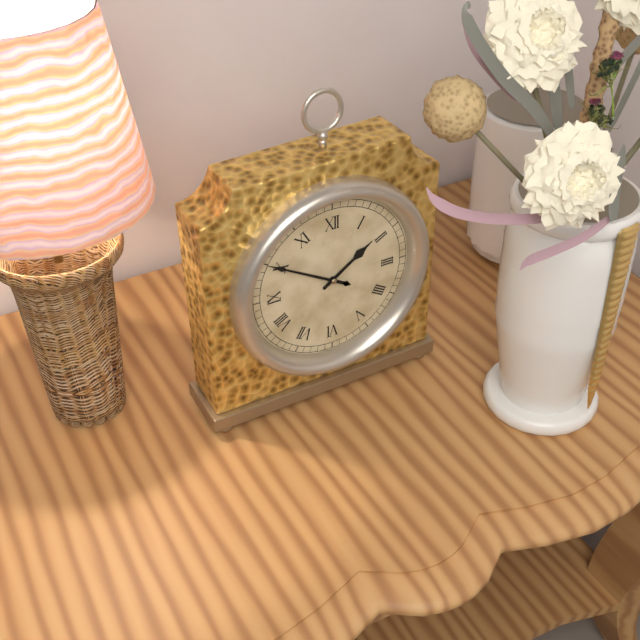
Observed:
1:50
